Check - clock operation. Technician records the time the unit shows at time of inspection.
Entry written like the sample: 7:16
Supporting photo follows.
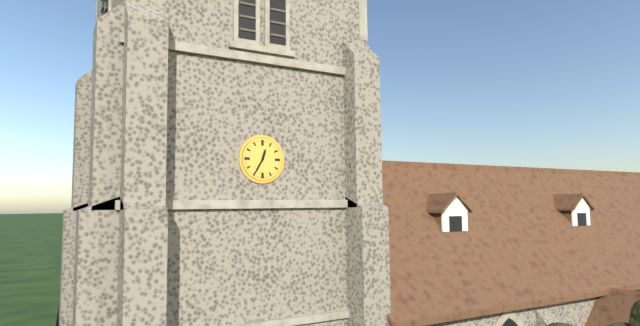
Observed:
12:35
